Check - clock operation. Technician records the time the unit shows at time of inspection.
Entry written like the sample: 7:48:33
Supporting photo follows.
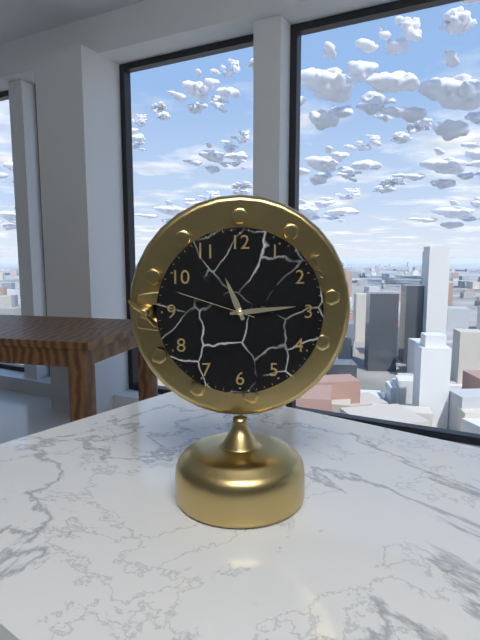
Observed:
11:14:48
